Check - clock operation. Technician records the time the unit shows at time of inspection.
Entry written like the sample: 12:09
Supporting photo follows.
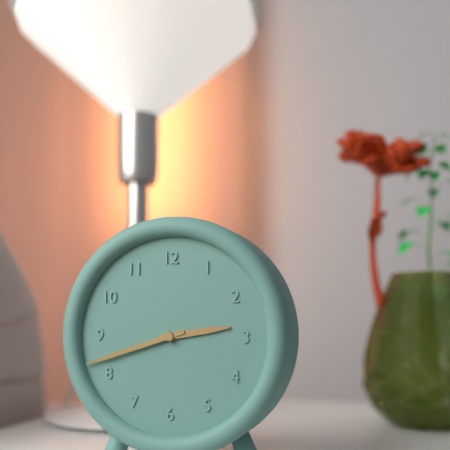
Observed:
2:42
